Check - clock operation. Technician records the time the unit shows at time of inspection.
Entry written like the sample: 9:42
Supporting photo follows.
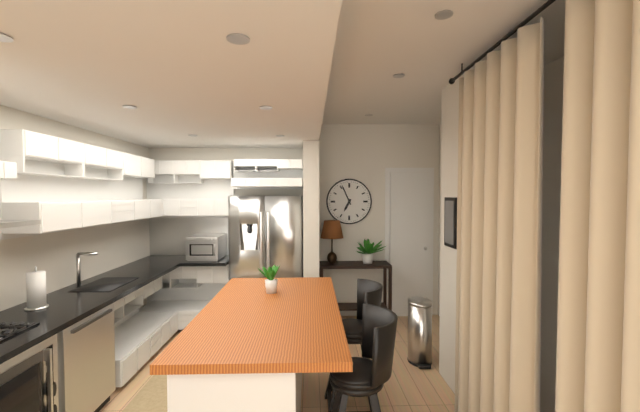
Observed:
6:56
